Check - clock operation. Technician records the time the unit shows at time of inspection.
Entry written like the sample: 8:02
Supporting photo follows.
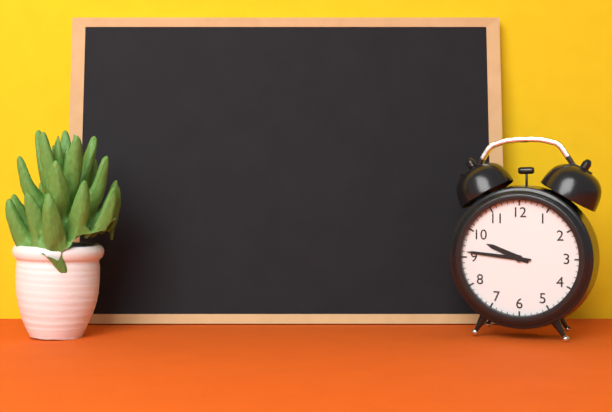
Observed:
9:46
